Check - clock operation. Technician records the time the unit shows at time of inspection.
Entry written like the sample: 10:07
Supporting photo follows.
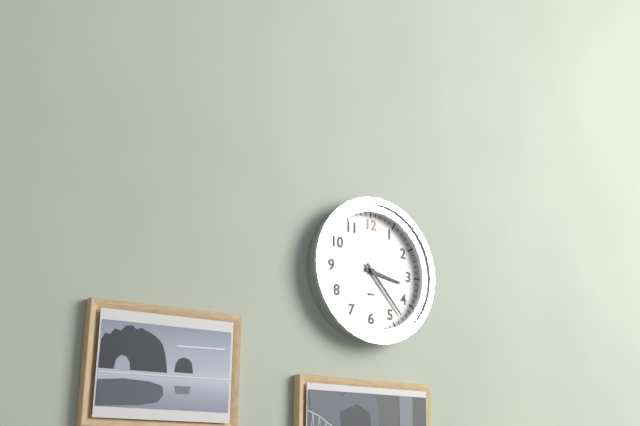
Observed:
3:23
